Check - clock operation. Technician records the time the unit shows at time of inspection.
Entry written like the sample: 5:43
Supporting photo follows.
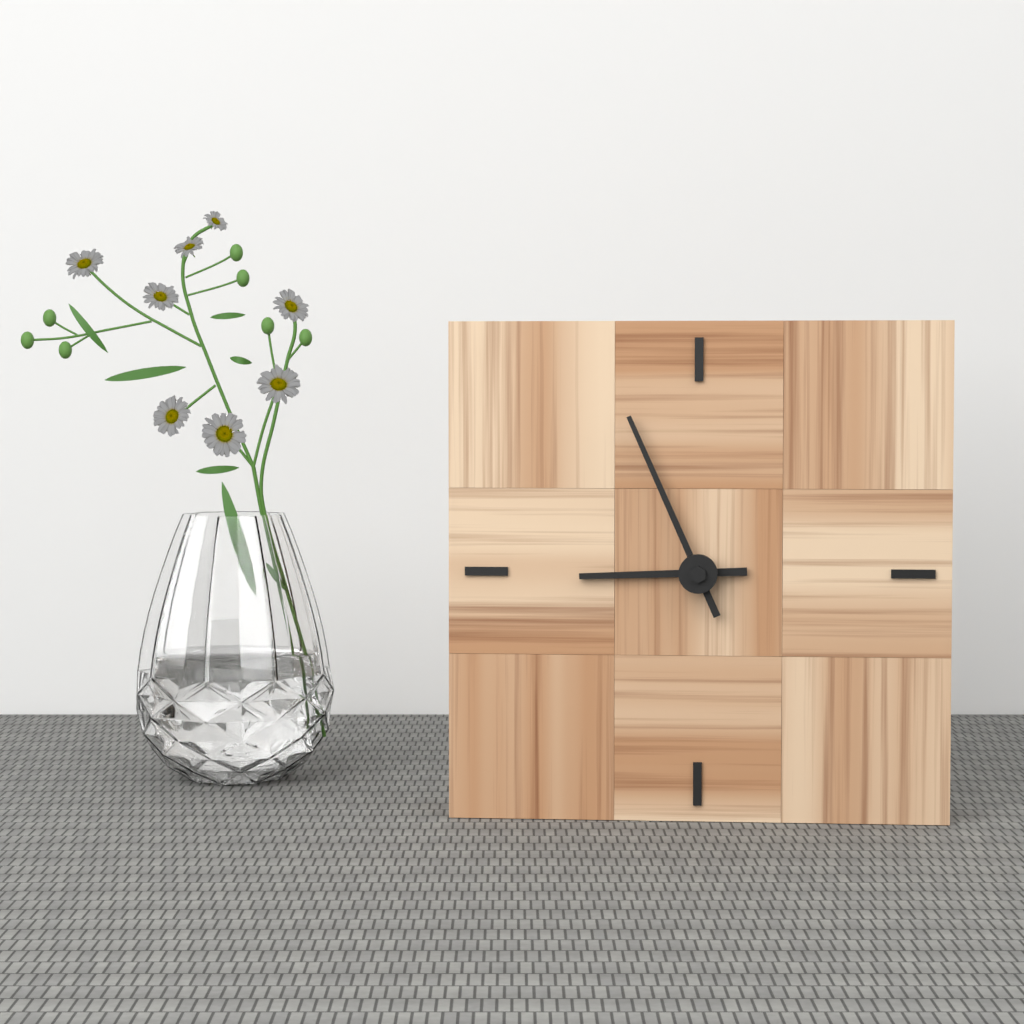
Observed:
8:56
